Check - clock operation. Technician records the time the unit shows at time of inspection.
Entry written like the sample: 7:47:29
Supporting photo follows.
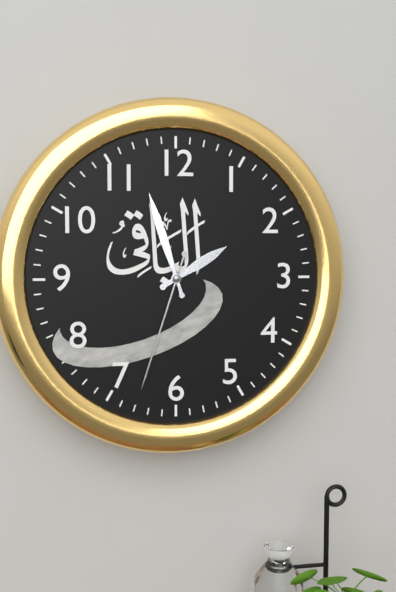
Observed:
1:57:33
